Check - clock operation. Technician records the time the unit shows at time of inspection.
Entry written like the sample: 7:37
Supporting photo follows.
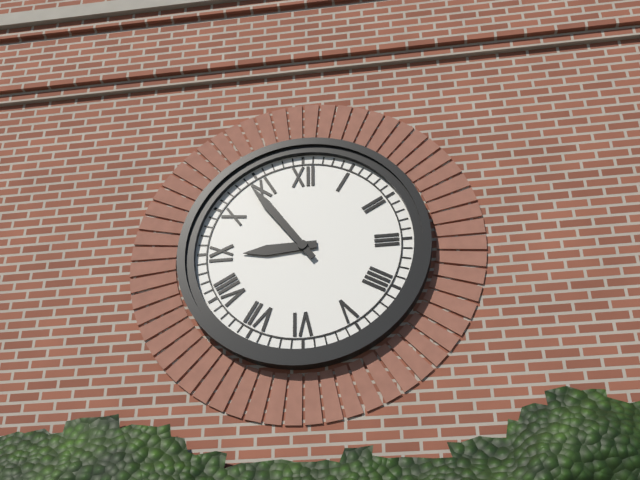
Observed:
8:54
